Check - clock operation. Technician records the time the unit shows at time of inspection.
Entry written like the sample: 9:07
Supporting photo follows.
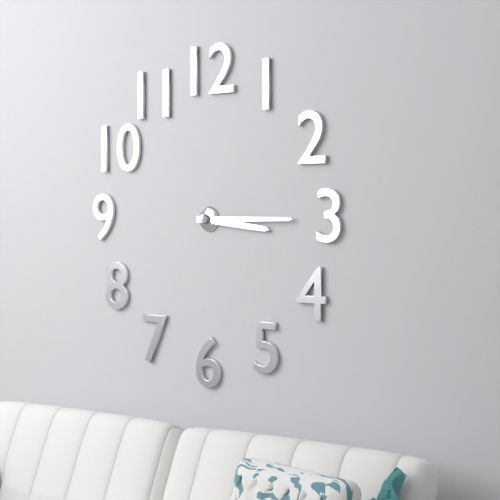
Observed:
3:15
